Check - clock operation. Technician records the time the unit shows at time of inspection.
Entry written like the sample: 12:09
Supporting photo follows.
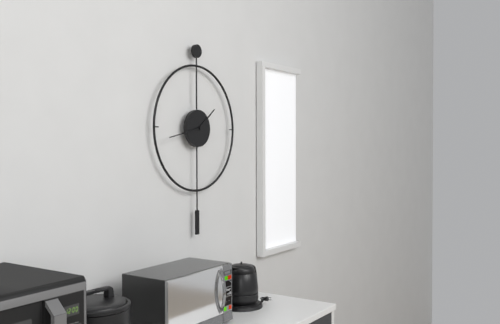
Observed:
1:43
